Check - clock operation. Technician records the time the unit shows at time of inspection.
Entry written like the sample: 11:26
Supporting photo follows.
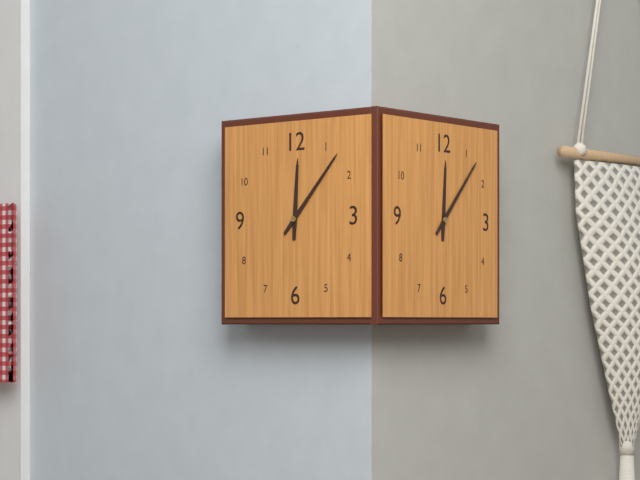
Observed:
12:07
